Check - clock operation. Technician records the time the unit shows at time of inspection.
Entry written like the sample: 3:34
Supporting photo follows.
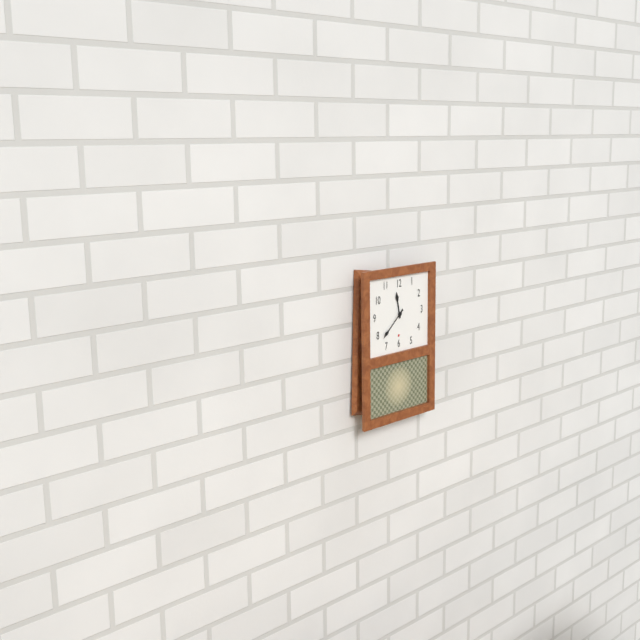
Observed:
11:38
